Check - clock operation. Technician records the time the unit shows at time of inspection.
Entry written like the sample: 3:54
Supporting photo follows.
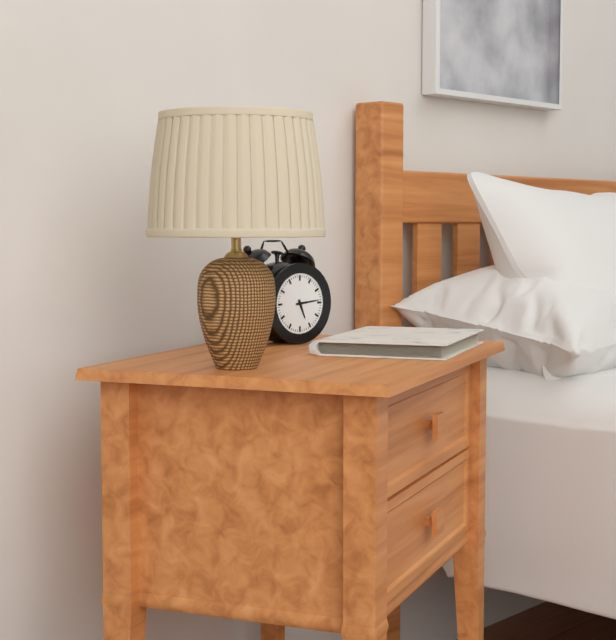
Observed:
5:14
